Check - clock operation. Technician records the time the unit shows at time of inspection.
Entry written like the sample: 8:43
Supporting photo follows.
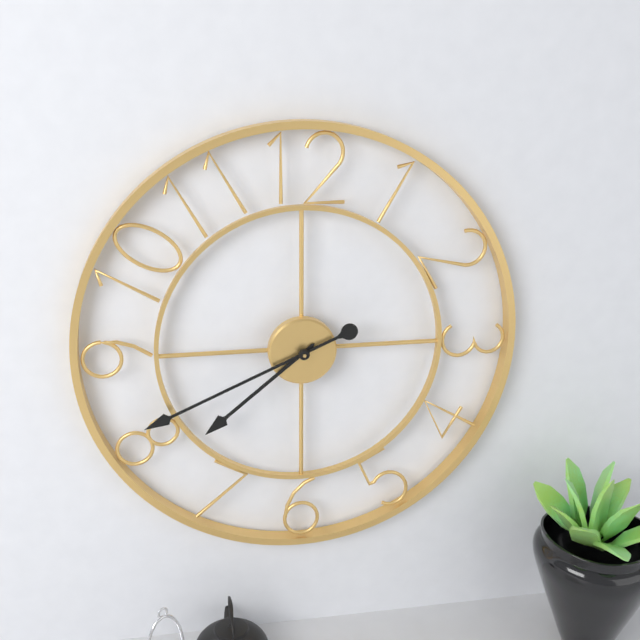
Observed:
7:41
